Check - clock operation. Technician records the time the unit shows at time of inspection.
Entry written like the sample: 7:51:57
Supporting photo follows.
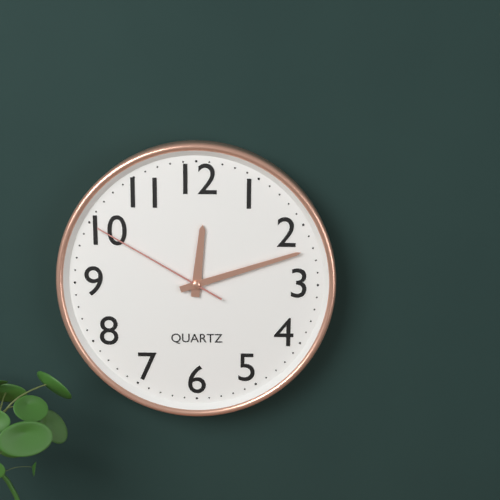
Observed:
12:12:50
